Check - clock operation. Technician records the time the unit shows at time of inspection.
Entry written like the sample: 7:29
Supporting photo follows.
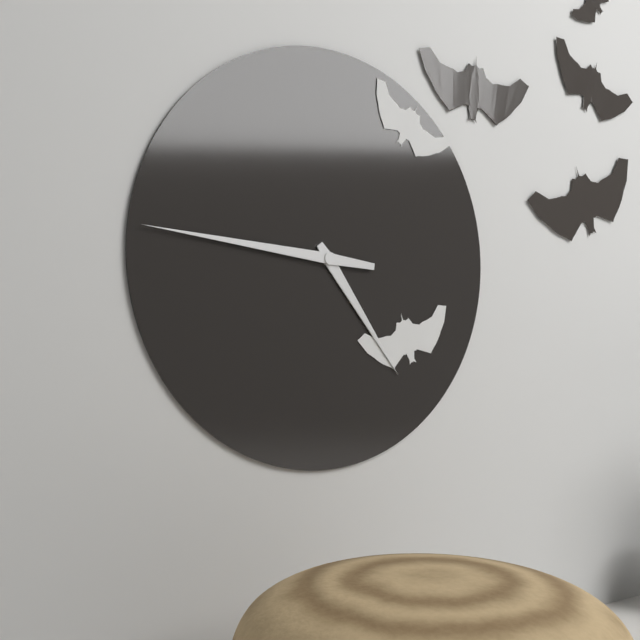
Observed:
4:46
